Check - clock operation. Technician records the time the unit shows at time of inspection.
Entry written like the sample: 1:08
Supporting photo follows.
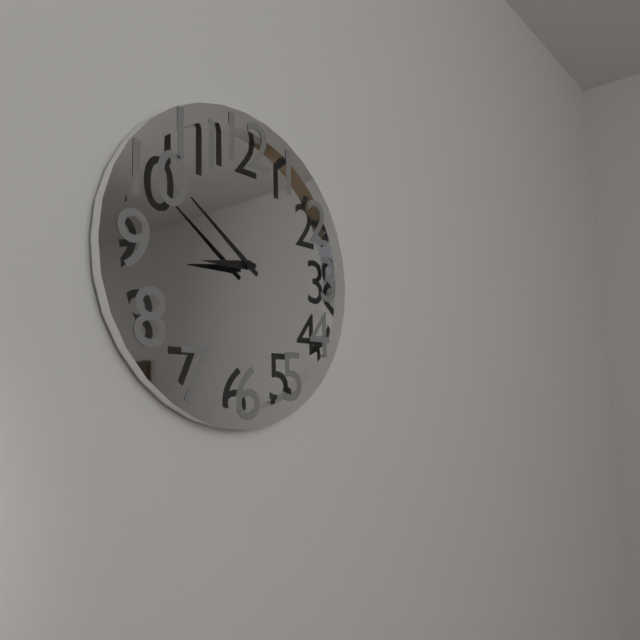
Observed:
8:51
